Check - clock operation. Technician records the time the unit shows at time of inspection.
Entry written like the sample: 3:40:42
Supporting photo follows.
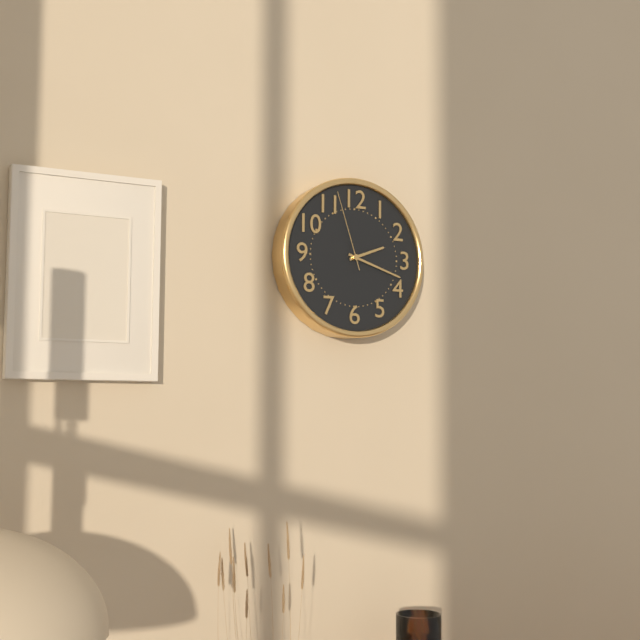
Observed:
2:18:57
